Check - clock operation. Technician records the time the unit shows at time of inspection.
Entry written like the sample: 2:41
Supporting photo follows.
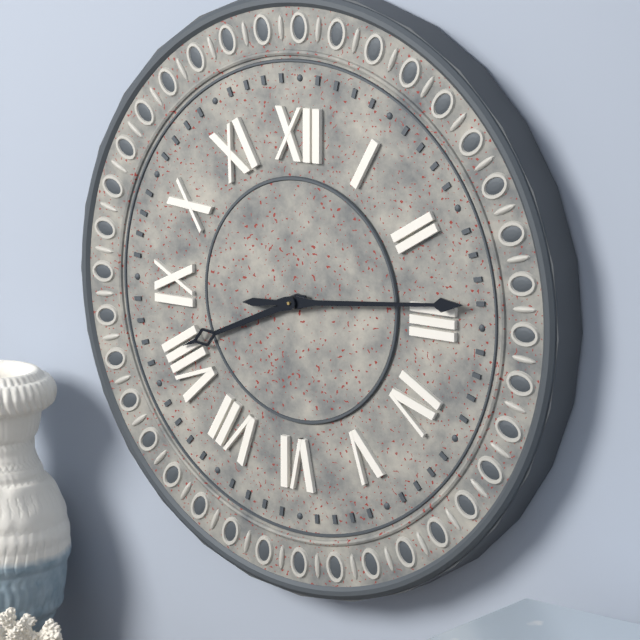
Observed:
8:14
